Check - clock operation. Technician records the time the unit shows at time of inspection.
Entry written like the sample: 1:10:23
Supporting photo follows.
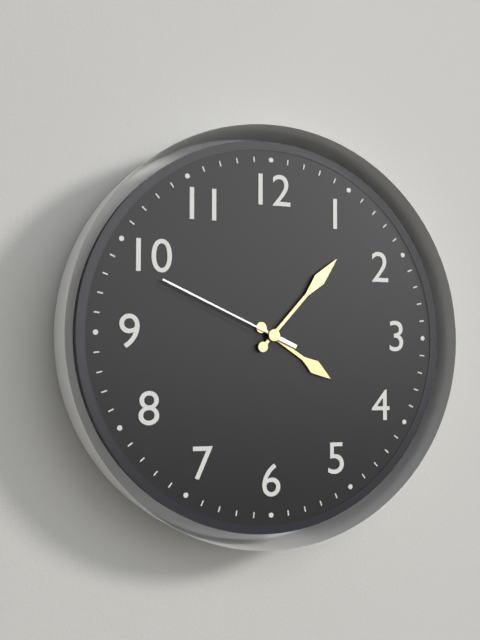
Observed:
4:07:49
